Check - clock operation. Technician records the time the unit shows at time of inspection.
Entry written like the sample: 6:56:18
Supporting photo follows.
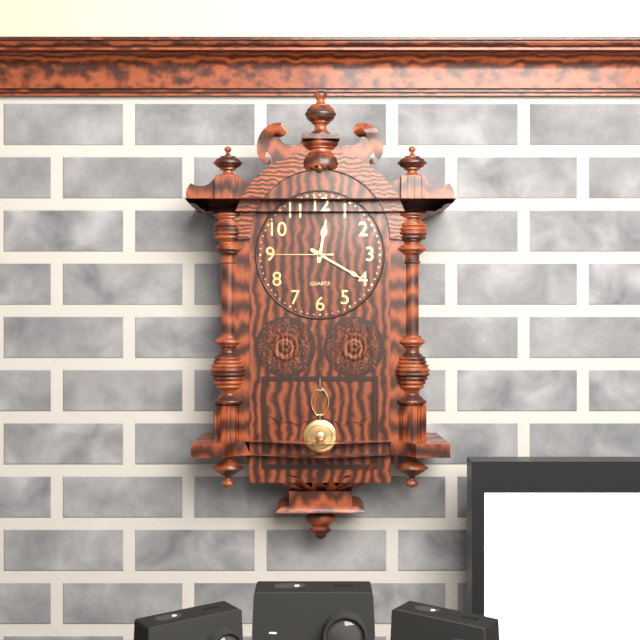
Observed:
12:20:45
